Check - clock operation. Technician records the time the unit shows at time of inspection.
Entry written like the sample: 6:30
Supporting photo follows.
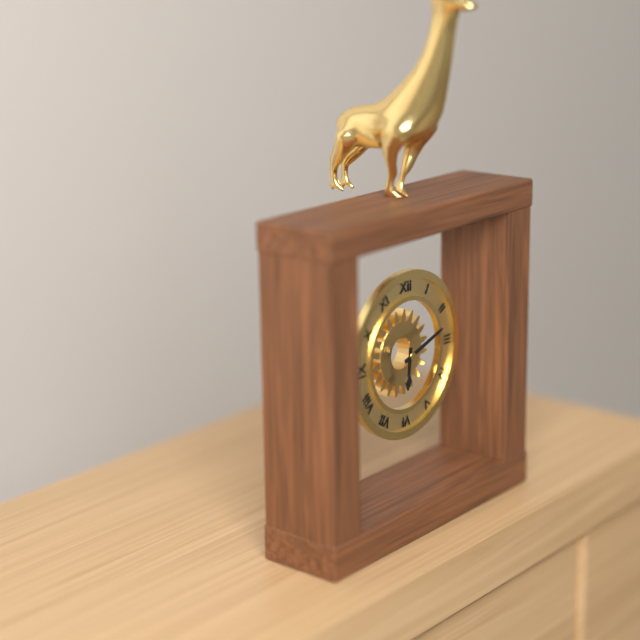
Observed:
6:12
